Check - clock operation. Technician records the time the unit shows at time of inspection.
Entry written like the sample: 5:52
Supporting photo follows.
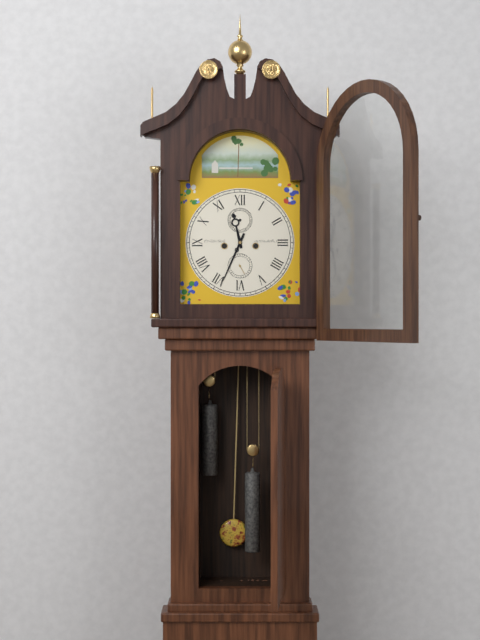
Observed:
11:34
